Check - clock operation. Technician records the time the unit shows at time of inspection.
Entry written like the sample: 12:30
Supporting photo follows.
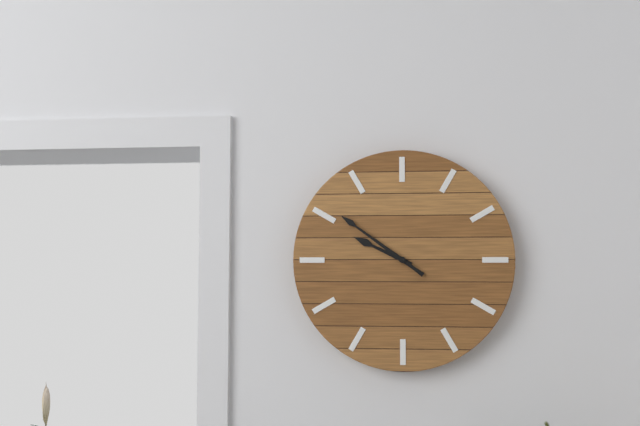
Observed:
9:51
